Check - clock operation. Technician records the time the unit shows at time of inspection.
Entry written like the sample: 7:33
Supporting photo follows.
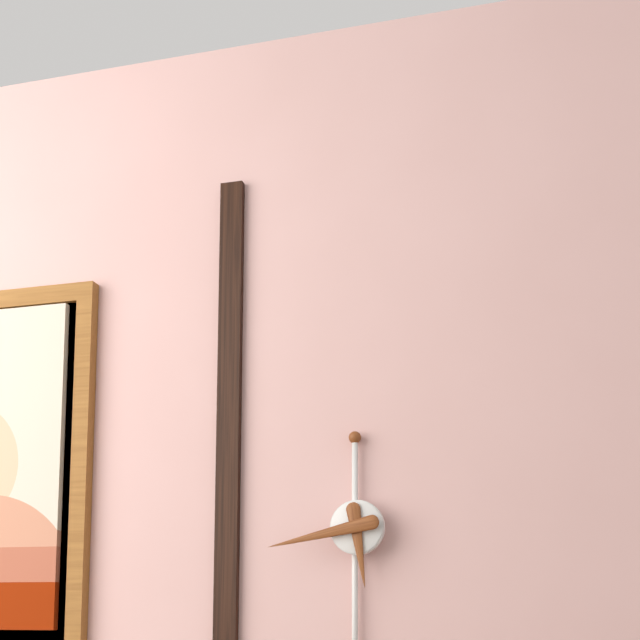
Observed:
5:43
